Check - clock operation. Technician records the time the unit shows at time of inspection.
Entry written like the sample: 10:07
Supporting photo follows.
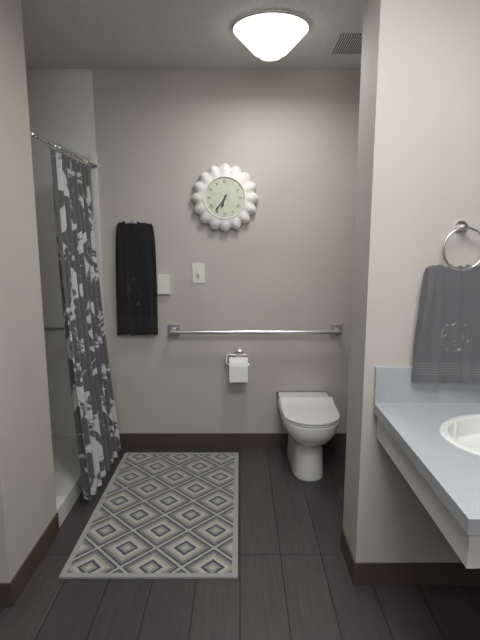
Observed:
6:36
